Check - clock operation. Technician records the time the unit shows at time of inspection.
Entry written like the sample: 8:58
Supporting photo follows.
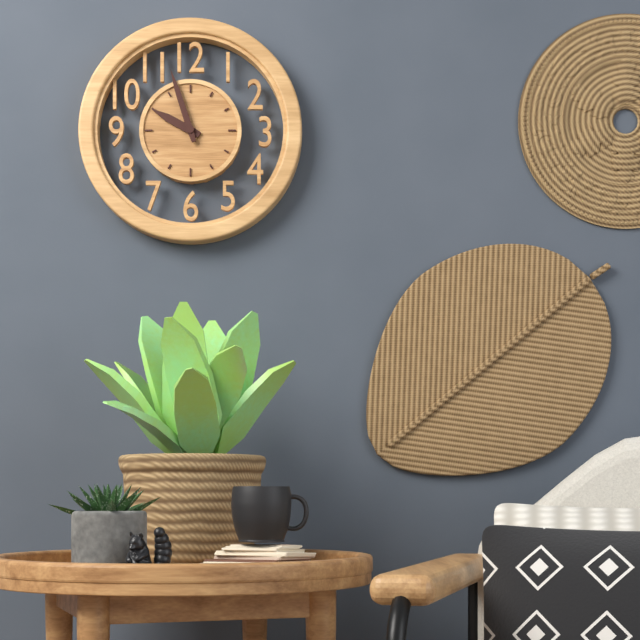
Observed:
9:57
